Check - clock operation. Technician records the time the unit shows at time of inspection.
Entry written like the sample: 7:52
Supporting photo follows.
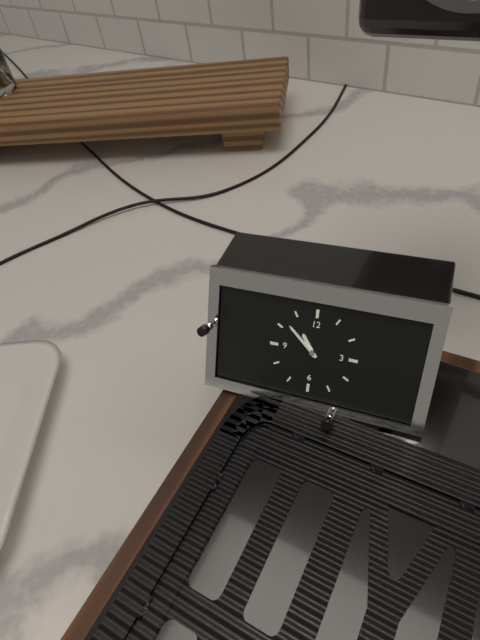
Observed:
10:52
